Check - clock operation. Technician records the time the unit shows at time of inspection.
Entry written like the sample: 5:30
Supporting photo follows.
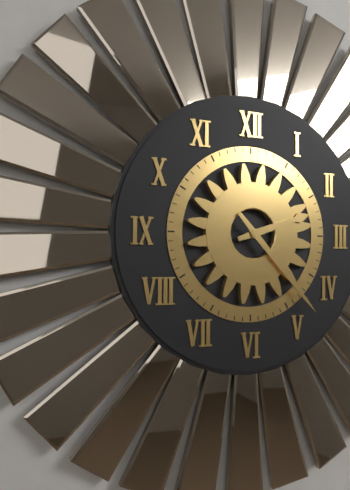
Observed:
2:23
